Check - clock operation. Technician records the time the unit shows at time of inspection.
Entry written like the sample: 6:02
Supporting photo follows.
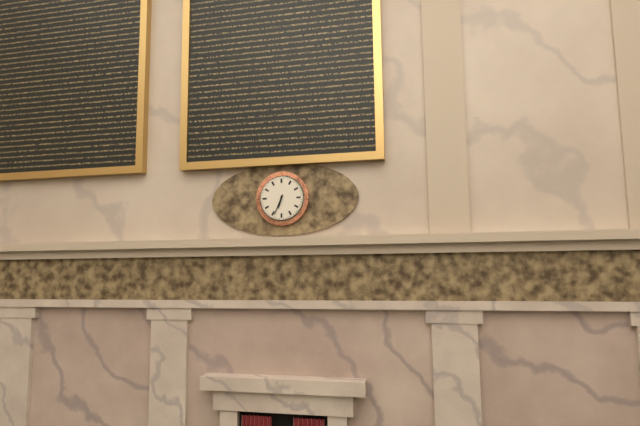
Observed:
6:34
